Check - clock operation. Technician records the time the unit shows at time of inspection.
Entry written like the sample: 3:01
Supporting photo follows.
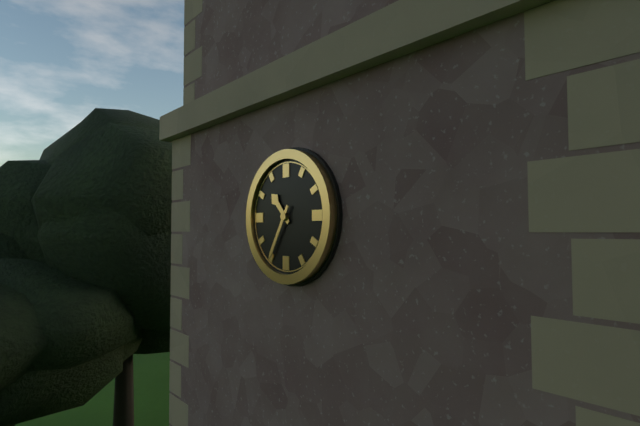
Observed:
10:35
